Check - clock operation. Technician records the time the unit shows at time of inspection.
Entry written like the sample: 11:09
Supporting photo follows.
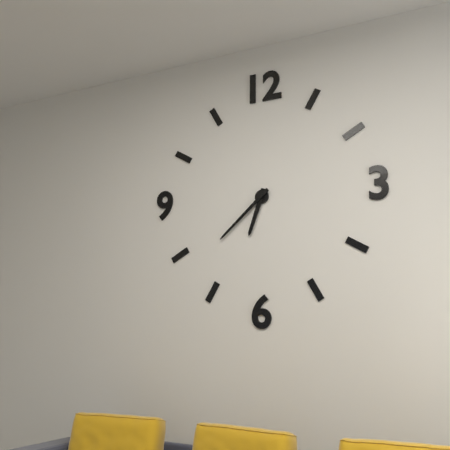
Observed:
6:38
